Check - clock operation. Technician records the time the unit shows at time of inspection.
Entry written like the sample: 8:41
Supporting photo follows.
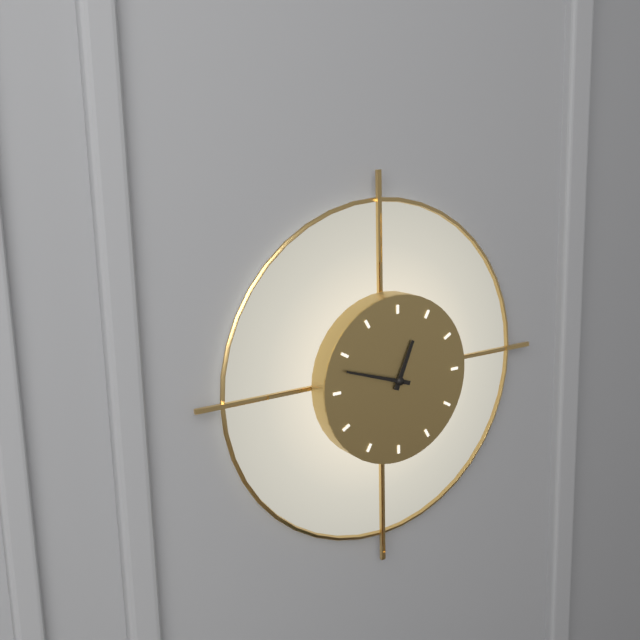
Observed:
12:48
